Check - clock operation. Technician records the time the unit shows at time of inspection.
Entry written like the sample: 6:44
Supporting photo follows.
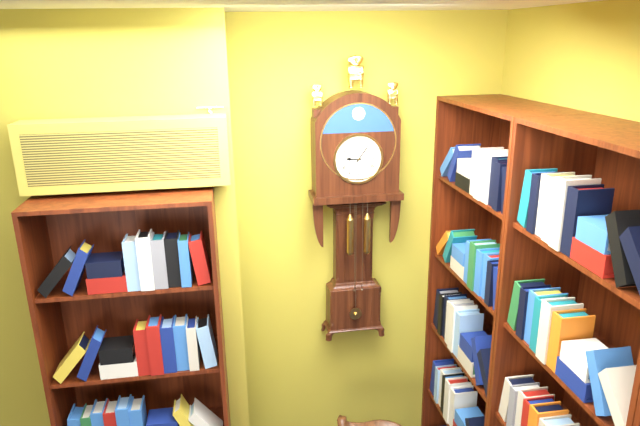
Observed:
9:06
